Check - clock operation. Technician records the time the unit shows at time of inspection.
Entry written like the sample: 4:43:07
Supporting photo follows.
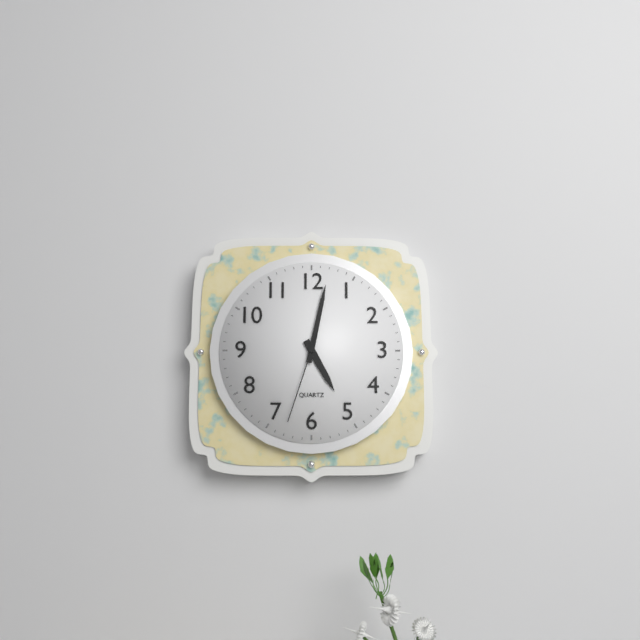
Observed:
5:02:33
